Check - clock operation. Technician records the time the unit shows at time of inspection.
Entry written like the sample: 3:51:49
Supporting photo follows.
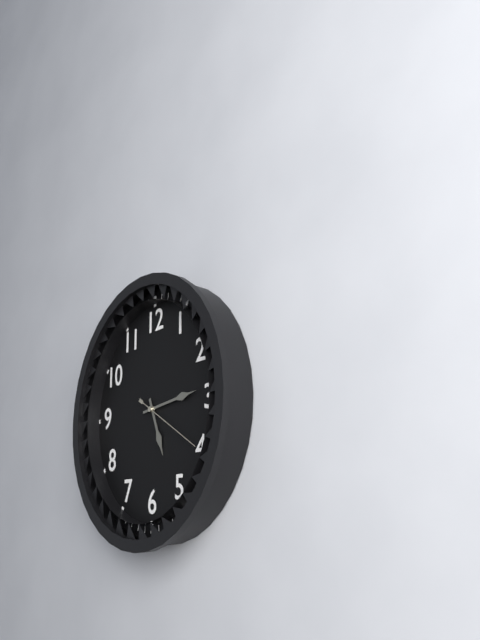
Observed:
5:14:20
